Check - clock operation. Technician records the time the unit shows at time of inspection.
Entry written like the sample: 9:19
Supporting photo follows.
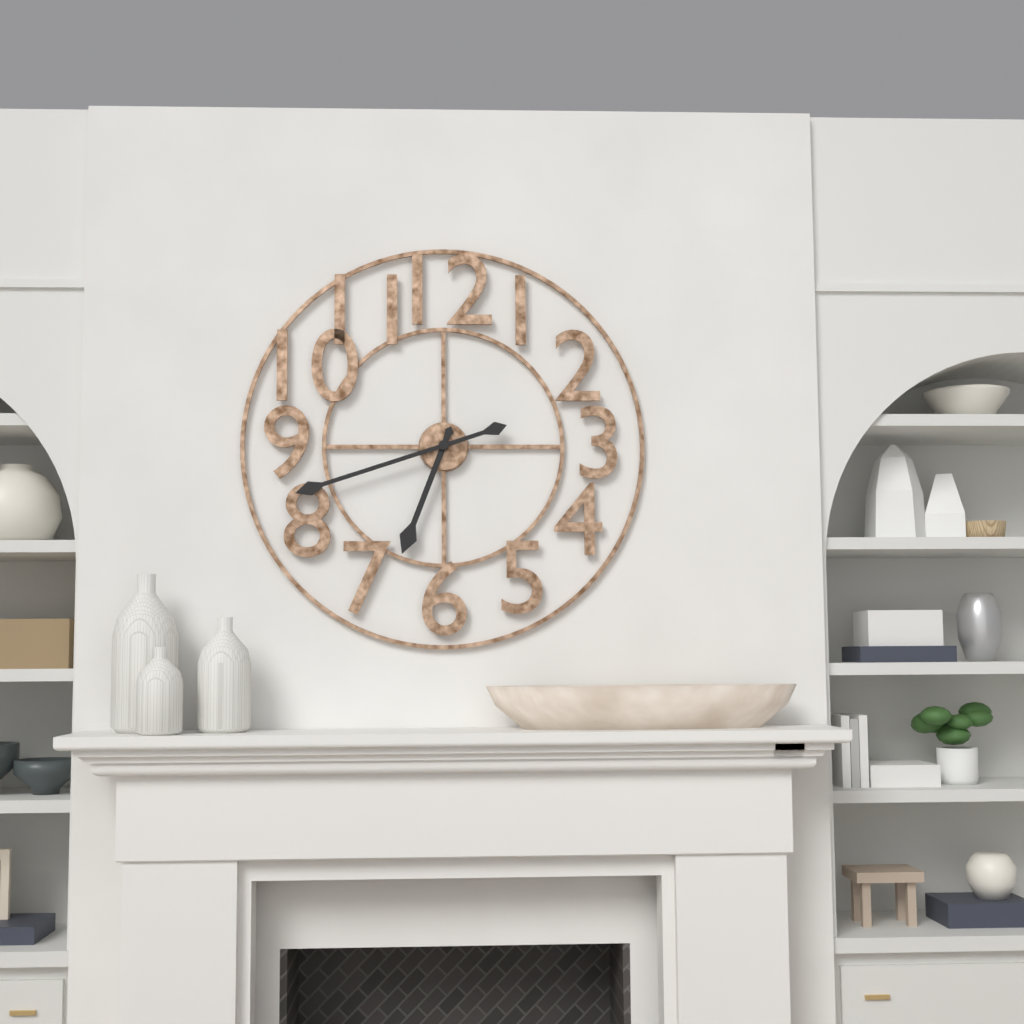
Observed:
6:42
